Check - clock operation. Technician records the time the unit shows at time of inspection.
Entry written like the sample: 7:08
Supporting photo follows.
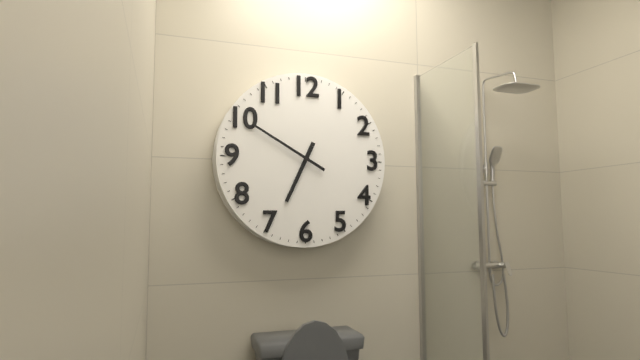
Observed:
6:50
